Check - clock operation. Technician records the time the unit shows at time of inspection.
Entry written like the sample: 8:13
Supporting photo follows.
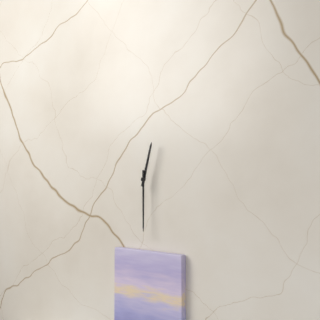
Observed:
12:30
